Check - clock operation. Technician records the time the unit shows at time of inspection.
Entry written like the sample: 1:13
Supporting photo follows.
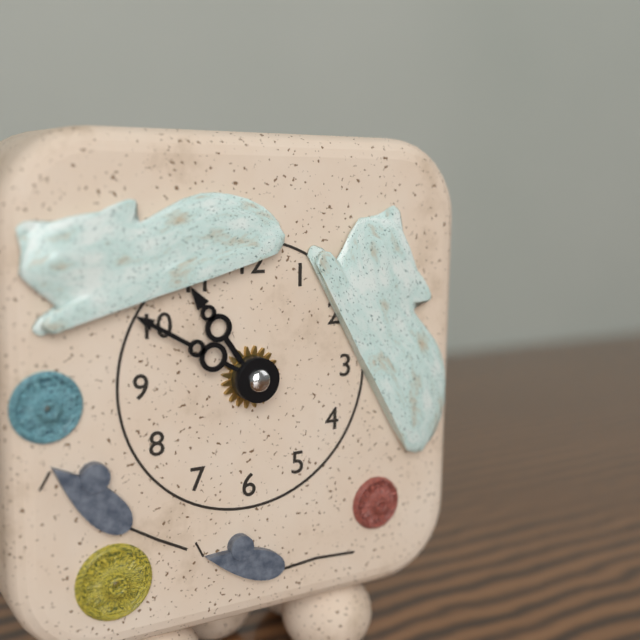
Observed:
10:50
